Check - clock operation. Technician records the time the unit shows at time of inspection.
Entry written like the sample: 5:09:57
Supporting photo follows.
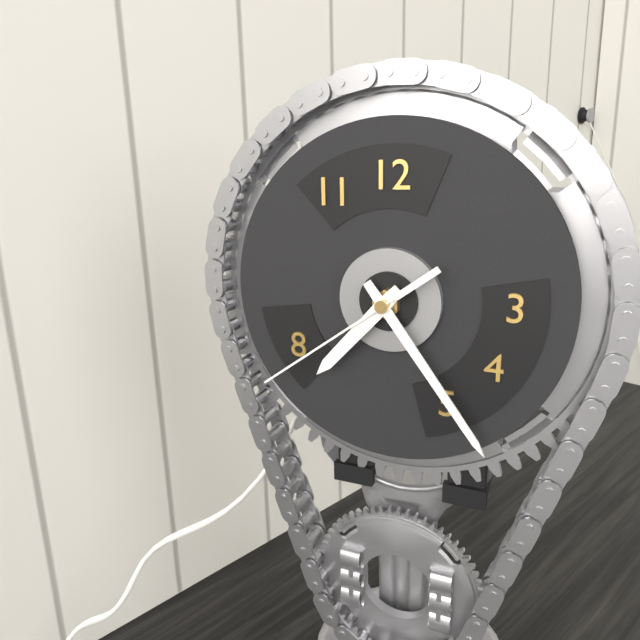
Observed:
7:24:39
